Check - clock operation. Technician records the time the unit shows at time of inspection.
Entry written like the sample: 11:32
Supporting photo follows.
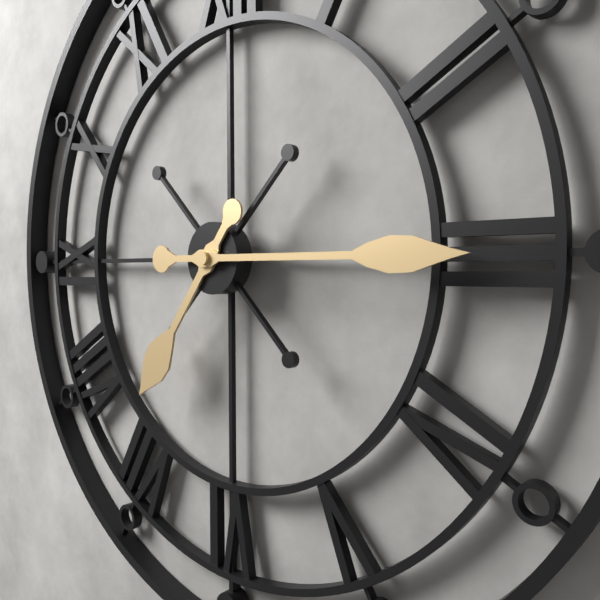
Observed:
7:15
